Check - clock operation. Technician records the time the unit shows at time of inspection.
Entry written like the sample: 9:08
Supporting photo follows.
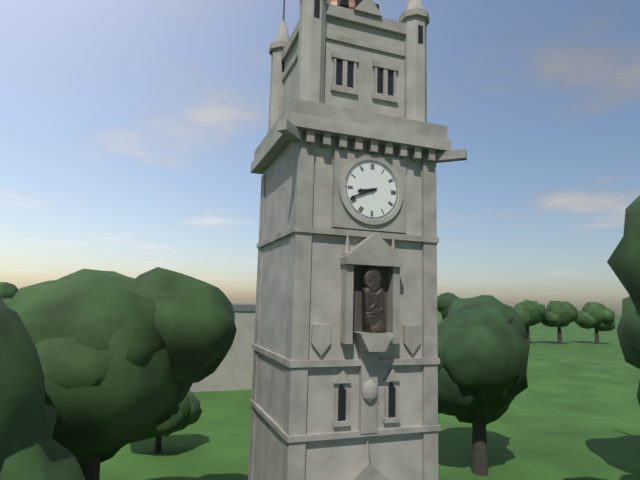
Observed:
8:41
